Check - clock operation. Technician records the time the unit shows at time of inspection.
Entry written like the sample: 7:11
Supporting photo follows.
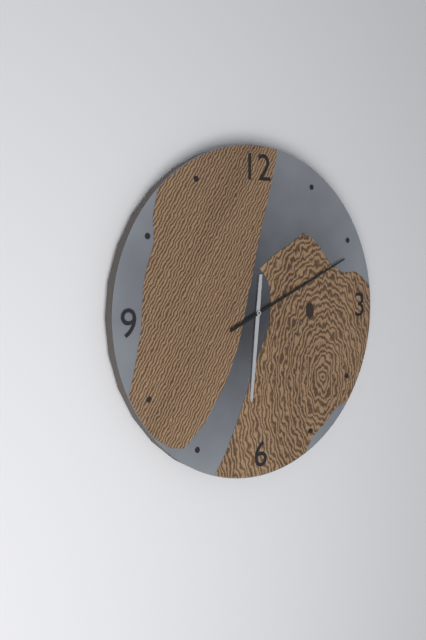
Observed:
6:11
